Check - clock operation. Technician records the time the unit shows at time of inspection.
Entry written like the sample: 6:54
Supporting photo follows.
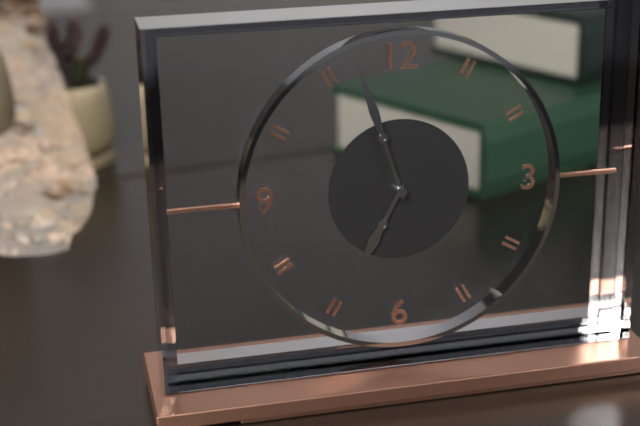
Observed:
6:57
